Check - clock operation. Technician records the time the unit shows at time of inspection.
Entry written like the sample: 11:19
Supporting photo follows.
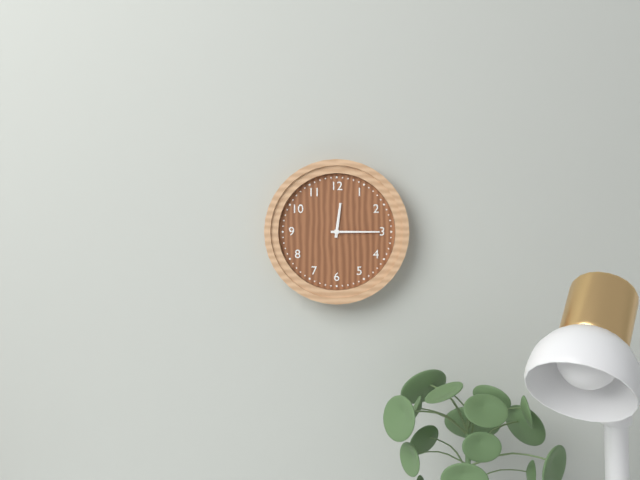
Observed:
12:15
